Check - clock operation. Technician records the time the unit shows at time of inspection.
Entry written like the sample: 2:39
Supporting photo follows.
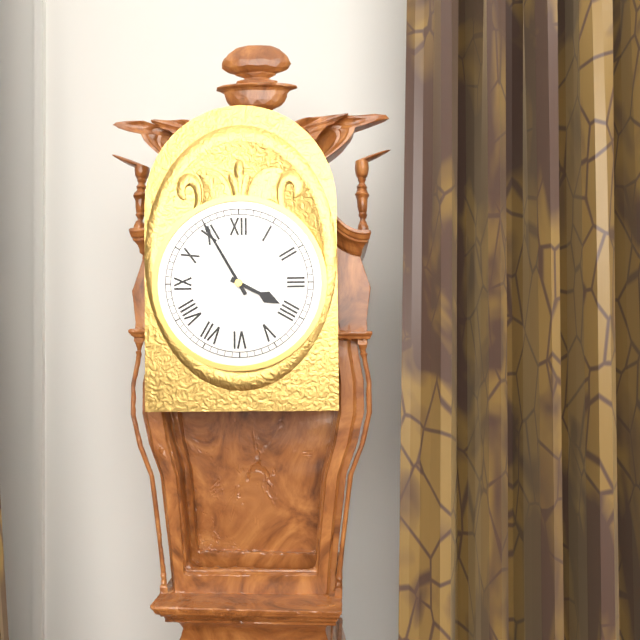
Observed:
3:55
